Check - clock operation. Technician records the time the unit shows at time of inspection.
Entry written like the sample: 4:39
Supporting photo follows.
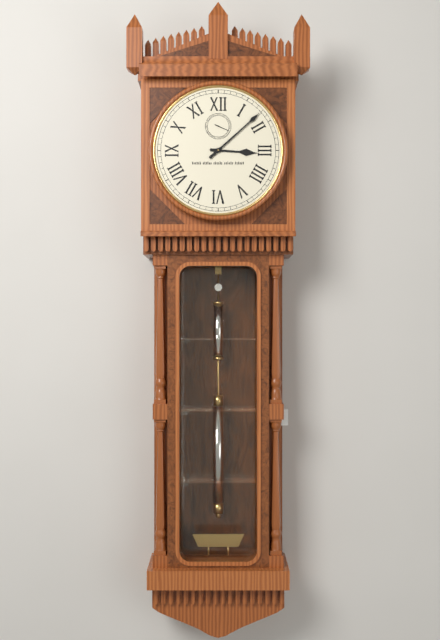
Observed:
3:08
